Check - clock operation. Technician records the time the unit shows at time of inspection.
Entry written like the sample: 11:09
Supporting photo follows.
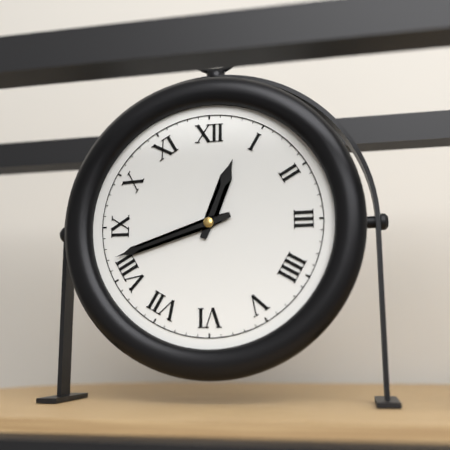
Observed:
12:42
